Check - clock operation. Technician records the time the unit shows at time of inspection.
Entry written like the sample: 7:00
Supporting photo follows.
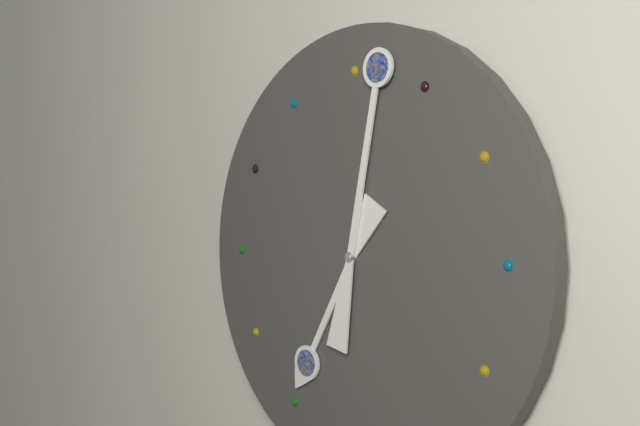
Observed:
7:02
